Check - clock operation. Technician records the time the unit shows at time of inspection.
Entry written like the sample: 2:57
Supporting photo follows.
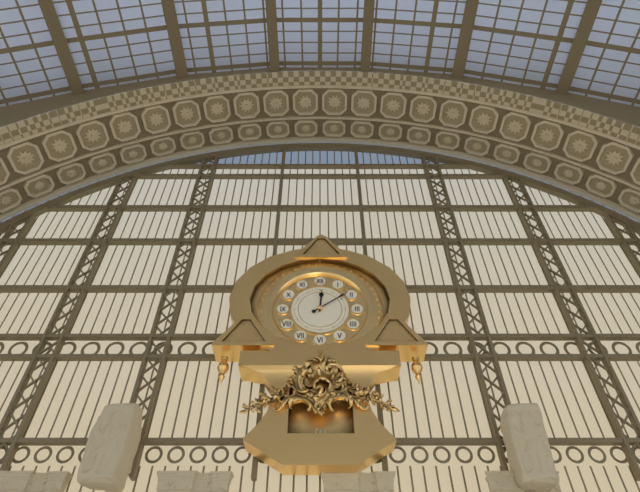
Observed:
12:09
